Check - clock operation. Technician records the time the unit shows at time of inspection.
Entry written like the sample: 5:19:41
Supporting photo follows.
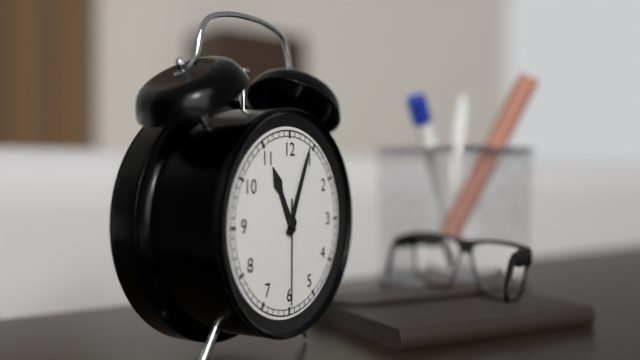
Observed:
11:04:30
